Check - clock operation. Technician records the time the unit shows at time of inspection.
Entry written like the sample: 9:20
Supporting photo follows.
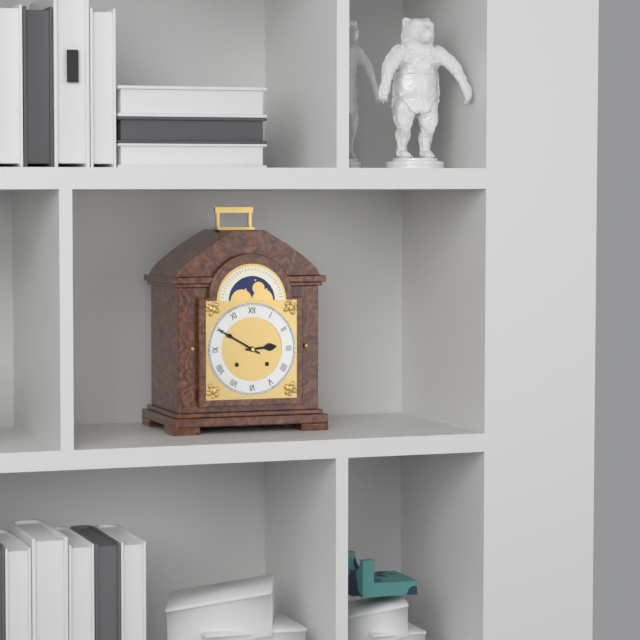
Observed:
2:50
